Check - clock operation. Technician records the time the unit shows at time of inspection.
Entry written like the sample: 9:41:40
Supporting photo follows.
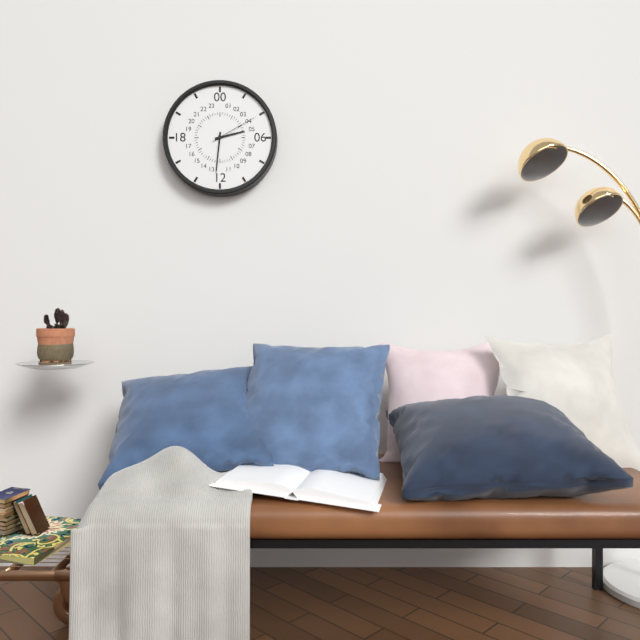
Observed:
2:31:10
